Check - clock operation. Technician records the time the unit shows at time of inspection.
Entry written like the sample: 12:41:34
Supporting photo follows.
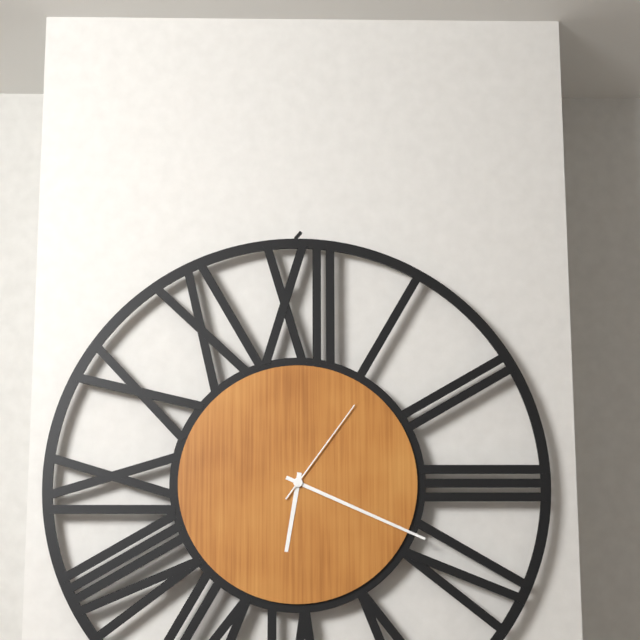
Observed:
6:19:06
